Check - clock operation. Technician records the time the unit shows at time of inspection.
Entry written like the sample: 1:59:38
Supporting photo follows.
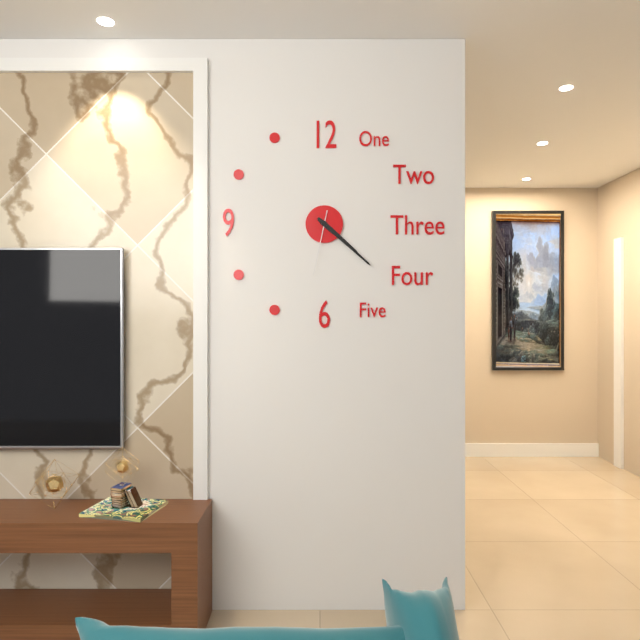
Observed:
4:22:32
